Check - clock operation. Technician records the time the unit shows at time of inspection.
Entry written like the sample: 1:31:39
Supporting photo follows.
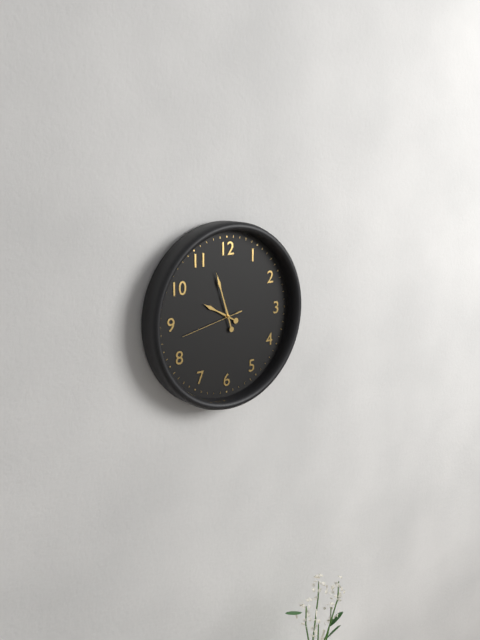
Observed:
9:57:43
